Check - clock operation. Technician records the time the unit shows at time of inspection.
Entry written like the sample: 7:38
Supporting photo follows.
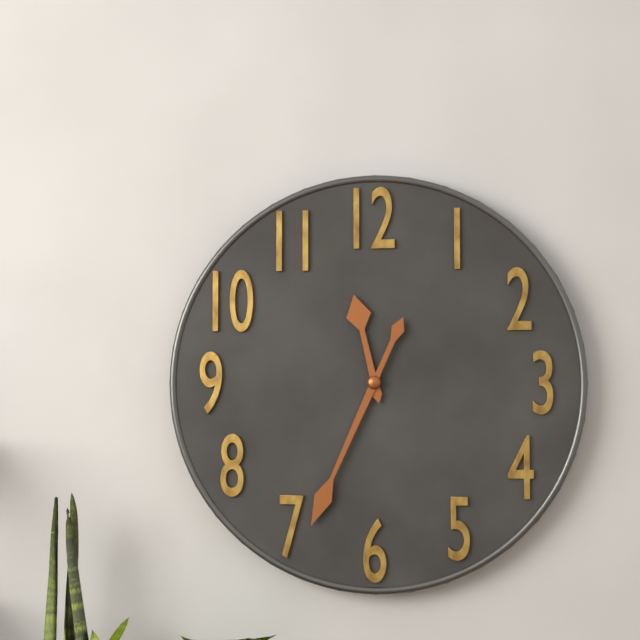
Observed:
11:34
